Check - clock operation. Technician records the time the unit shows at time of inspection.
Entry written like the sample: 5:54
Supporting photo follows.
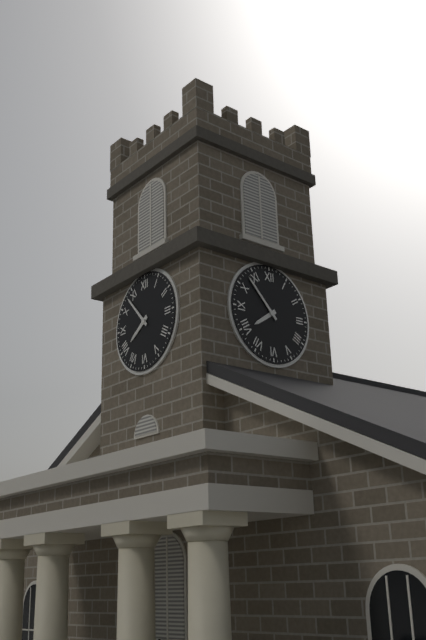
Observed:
7:53
